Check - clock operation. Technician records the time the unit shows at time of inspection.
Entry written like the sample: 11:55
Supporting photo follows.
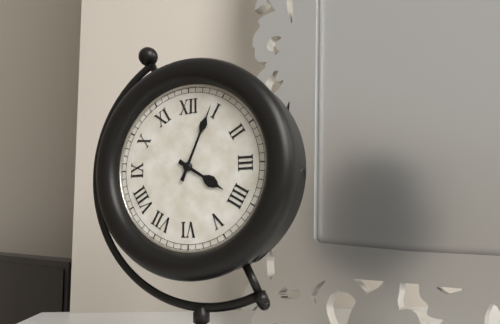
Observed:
4:04
